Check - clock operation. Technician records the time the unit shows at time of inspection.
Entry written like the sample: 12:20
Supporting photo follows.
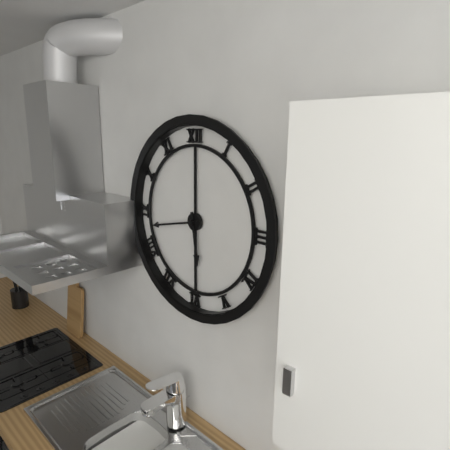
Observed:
5:43
